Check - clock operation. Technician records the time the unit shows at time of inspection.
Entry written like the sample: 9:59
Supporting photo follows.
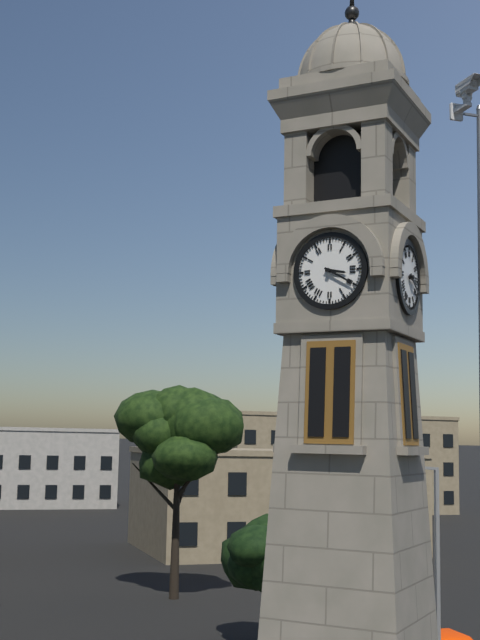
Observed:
3:20
